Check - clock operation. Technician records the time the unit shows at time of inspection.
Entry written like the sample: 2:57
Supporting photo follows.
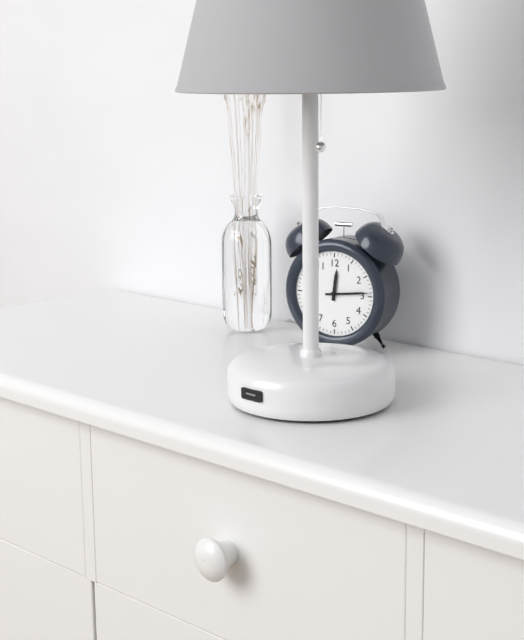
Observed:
12:14
